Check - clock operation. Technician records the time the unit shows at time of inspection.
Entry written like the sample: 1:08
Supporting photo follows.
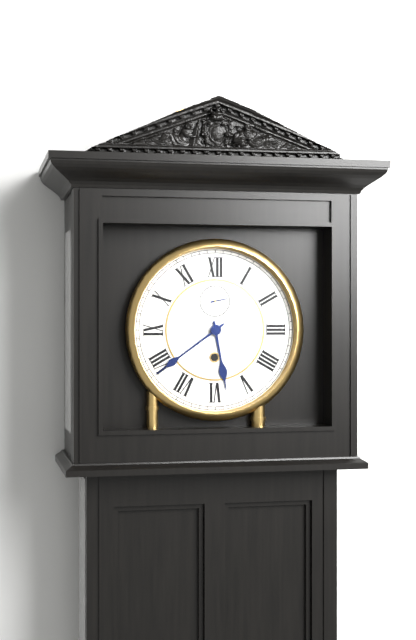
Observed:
5:39
